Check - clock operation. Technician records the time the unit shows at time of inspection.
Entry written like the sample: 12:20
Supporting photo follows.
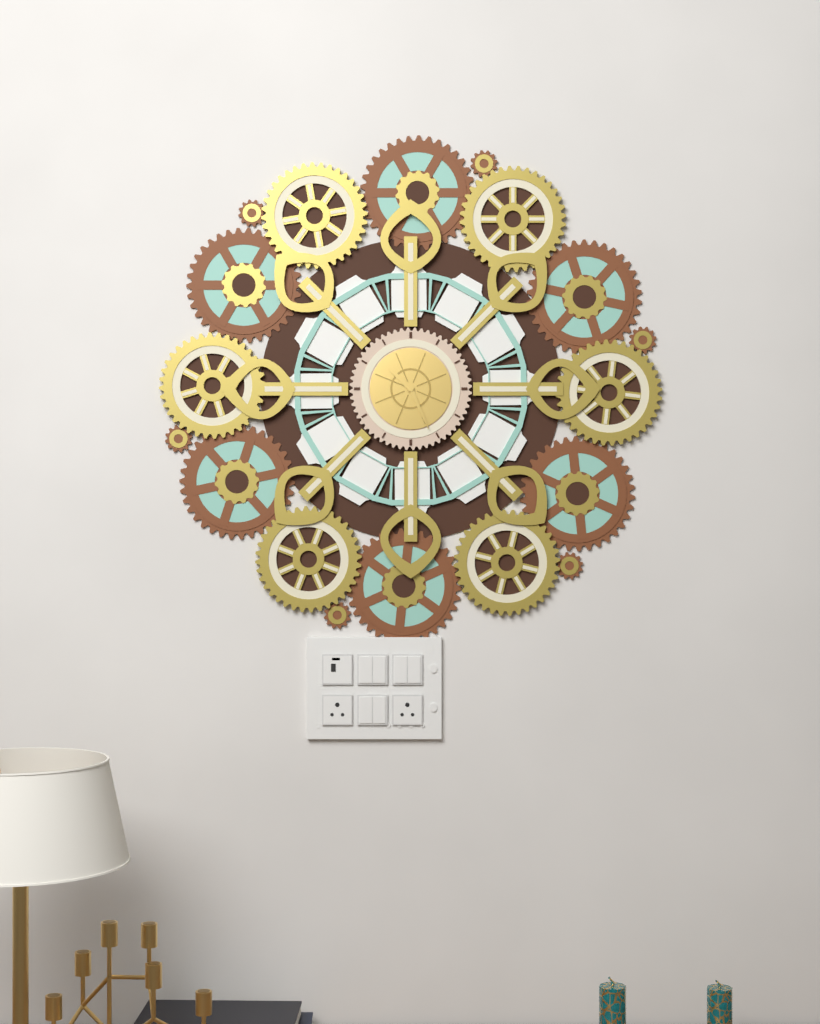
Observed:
10:26
